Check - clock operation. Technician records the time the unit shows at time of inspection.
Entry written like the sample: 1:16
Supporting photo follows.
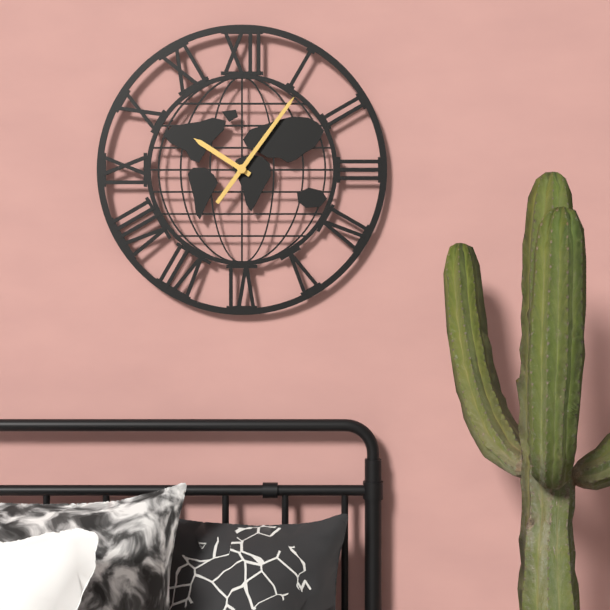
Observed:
10:06
